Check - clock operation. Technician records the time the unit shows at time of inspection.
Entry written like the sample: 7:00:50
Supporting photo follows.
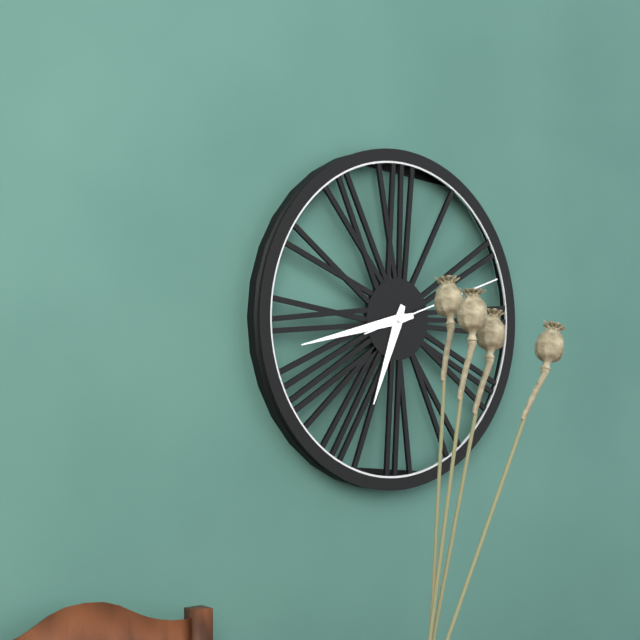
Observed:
6:43:12
